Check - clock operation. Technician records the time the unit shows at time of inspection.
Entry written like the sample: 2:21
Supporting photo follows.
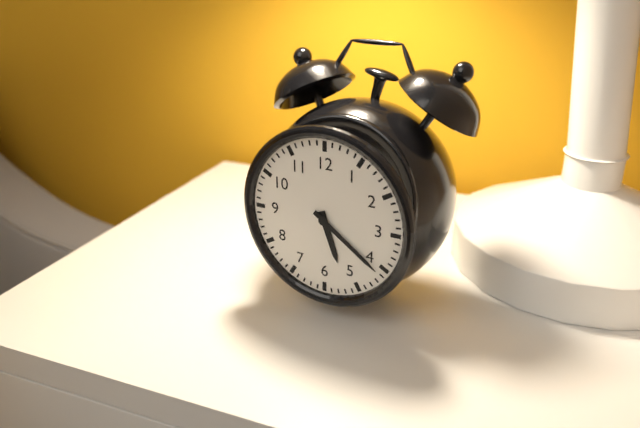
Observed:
5:21
